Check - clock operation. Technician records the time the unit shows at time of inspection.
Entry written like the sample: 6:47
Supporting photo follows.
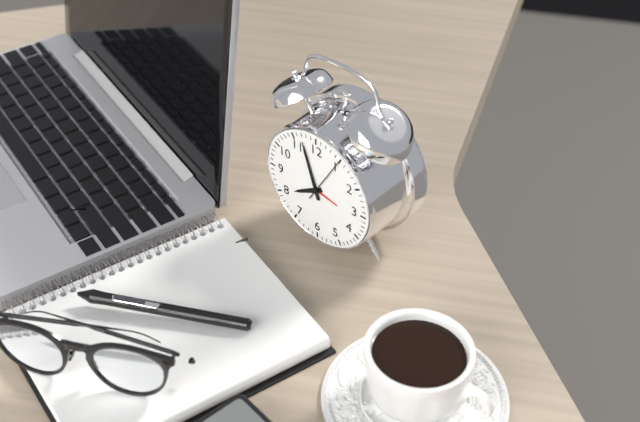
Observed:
7:57
